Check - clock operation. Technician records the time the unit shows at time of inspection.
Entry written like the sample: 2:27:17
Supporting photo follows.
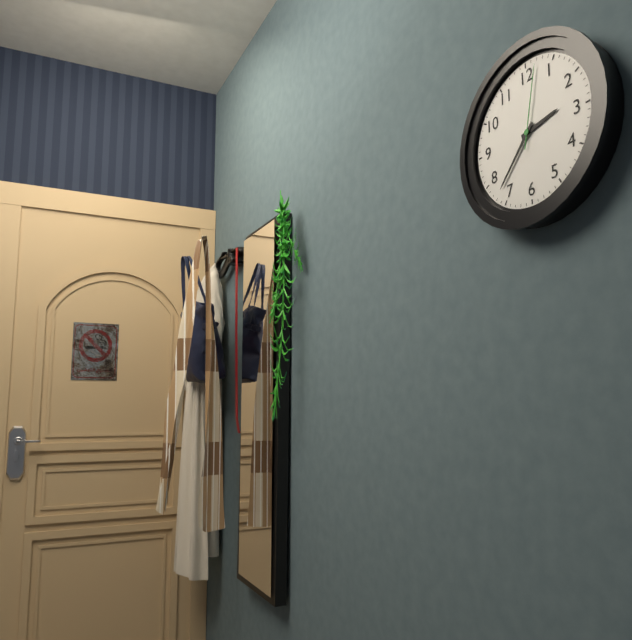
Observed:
2:37:02
